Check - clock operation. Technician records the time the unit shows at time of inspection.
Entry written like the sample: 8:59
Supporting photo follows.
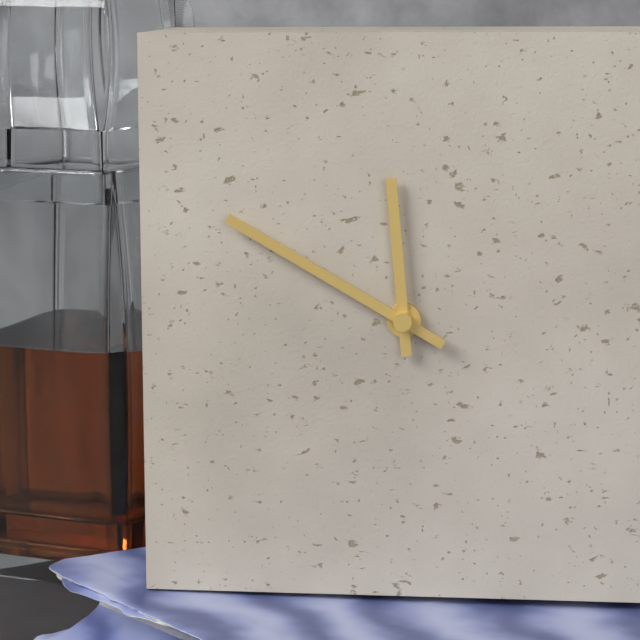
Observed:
11:50
